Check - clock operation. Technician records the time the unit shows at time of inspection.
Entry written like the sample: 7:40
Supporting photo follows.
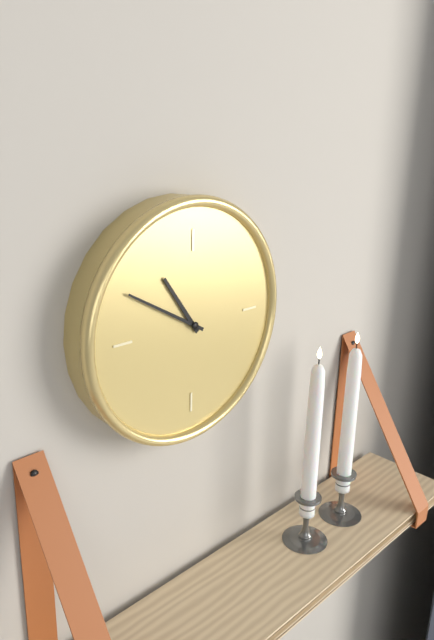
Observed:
10:50
